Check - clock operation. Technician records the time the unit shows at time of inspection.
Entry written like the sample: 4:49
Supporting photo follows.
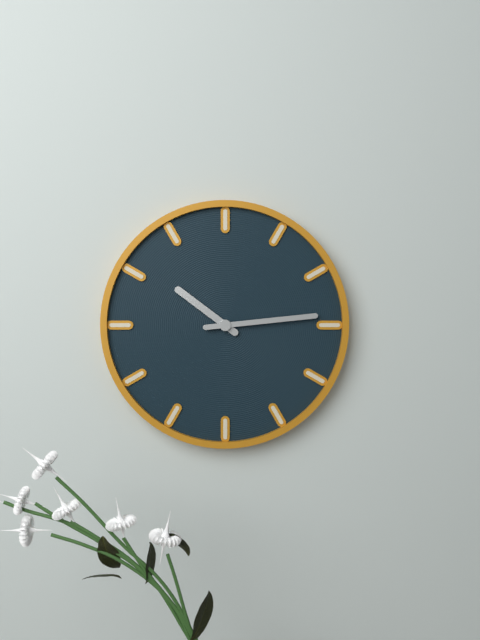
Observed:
10:14
